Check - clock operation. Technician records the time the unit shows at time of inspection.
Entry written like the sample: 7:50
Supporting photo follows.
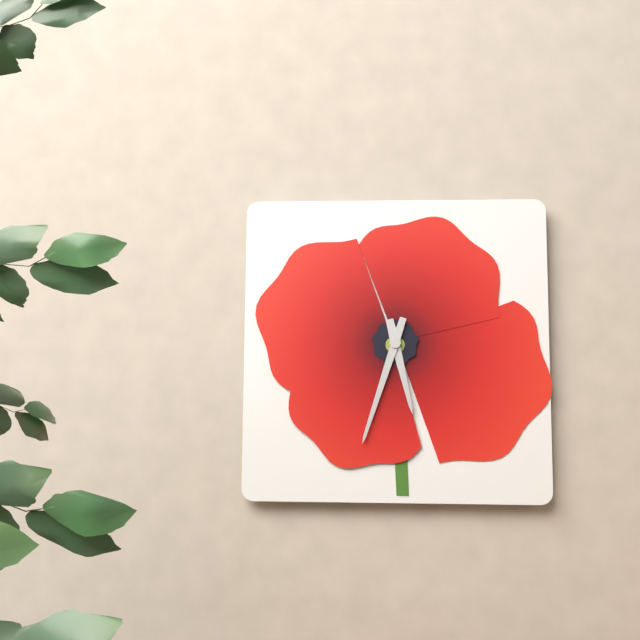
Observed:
5:33
